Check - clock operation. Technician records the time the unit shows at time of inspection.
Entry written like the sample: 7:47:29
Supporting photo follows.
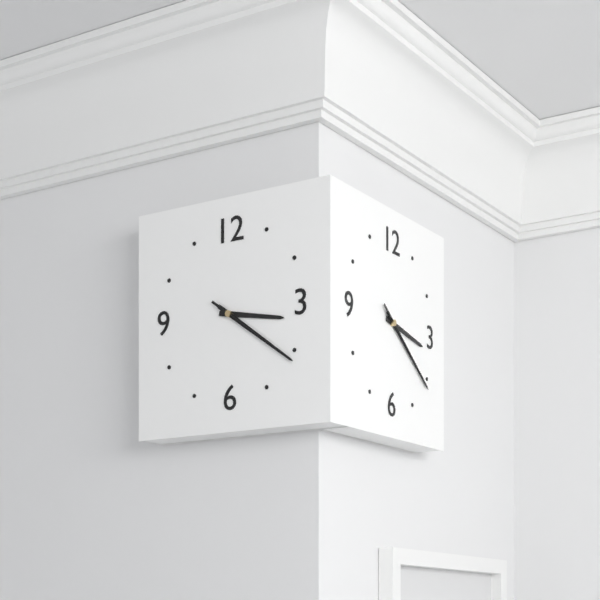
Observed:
3:21:21
